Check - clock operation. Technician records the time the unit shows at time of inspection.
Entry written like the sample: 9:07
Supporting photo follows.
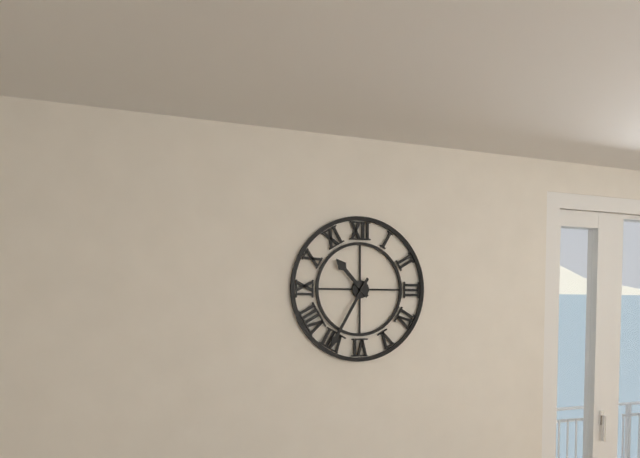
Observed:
10:35
